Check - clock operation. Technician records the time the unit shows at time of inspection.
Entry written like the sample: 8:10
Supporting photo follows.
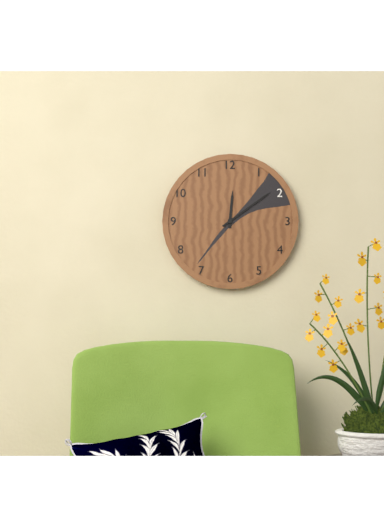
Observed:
12:09
